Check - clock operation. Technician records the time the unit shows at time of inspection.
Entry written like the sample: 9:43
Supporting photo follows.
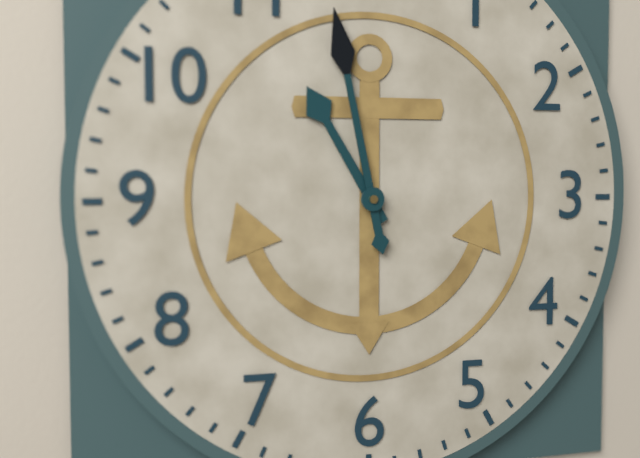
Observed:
10:58
